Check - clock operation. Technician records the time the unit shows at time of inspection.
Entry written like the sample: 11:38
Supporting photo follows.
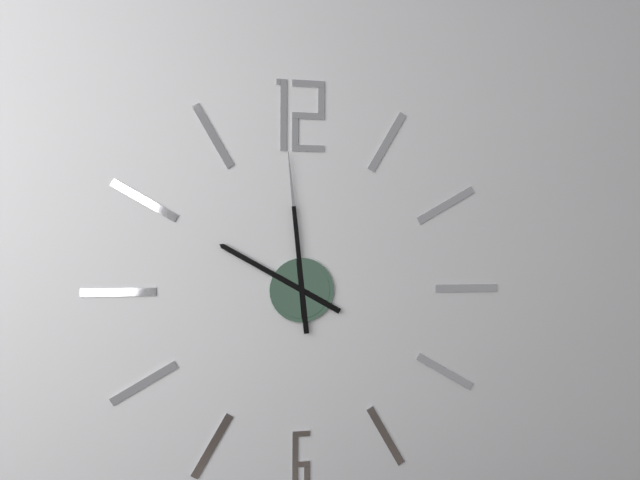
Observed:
9:59
